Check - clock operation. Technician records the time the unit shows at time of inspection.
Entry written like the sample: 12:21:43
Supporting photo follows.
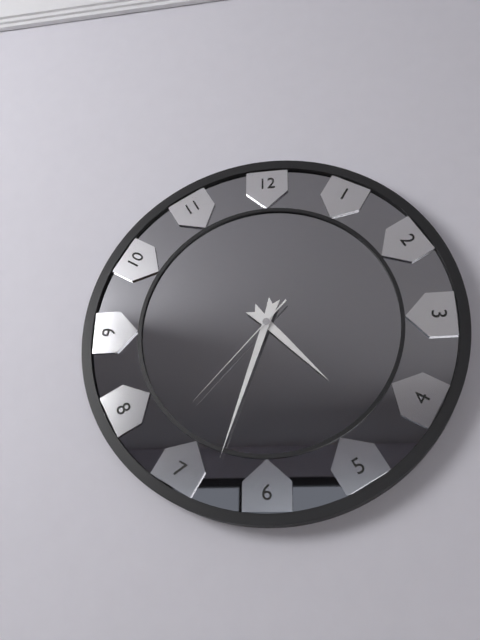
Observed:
4:33:37
